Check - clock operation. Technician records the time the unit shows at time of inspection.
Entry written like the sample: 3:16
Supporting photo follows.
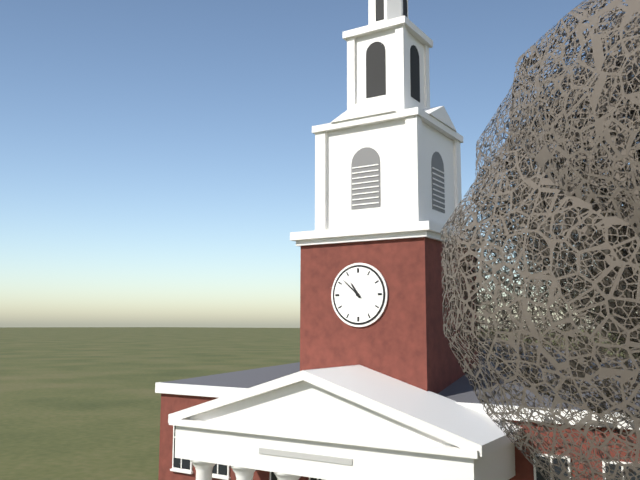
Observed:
10:52
